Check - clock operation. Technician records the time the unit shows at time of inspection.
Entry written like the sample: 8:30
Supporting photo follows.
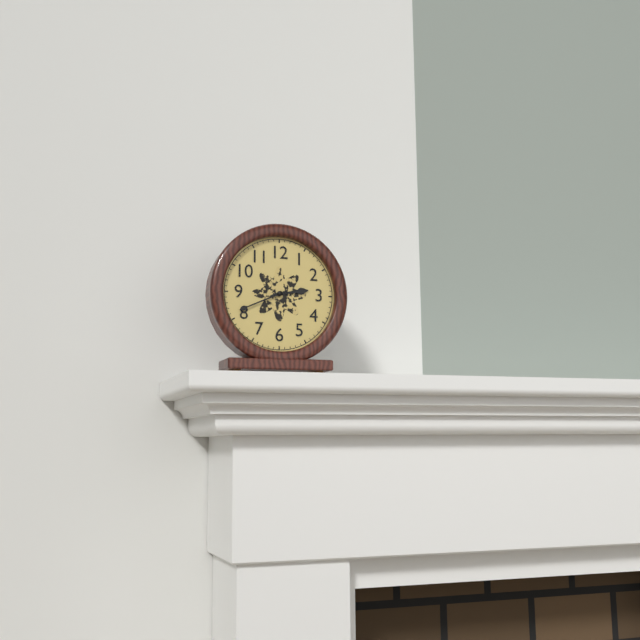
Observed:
2:41
